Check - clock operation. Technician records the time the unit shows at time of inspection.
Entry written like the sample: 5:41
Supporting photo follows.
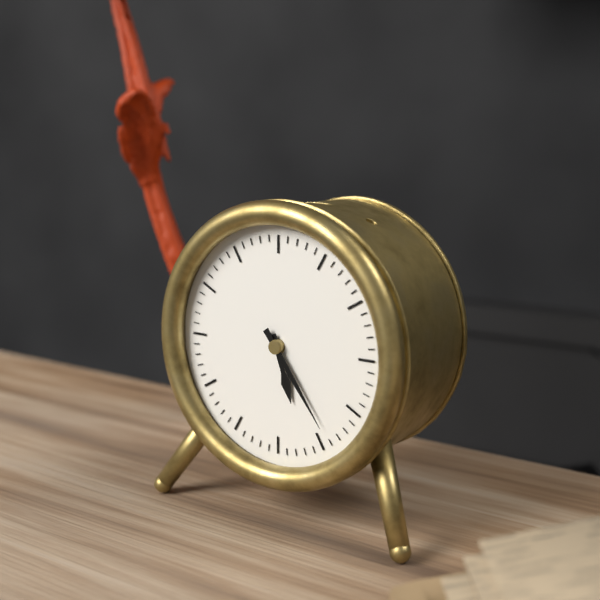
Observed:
5:24
